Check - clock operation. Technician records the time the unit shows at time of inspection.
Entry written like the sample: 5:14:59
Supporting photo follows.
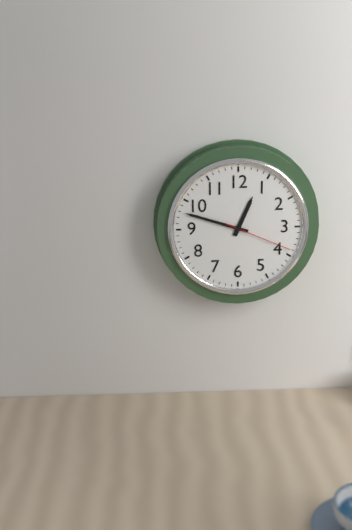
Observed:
12:48:19
